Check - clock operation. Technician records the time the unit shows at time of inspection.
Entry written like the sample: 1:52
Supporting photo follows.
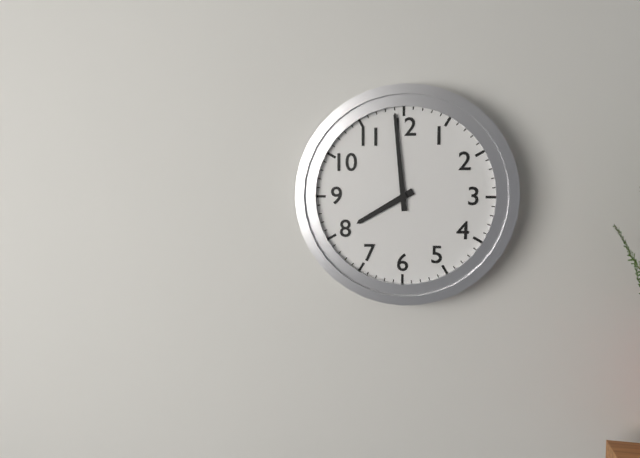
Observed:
7:59
